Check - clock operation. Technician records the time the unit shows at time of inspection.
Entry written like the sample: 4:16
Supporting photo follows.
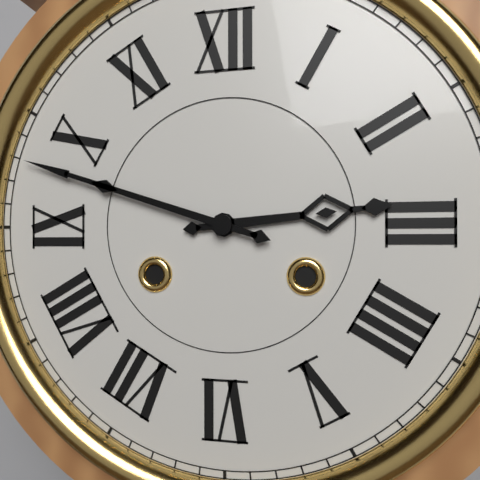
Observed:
2:48
